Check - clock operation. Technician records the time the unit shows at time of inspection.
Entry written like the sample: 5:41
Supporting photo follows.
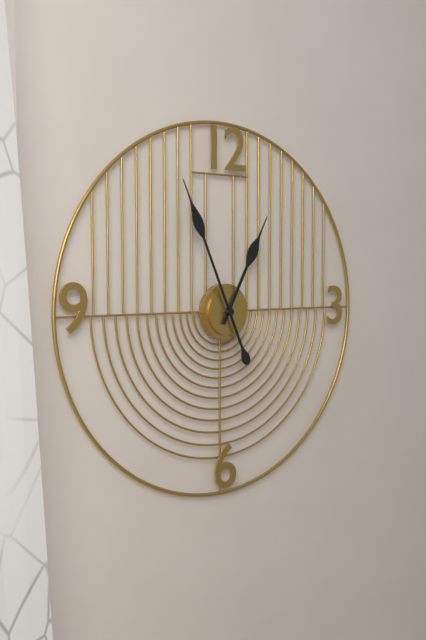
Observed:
12:56
